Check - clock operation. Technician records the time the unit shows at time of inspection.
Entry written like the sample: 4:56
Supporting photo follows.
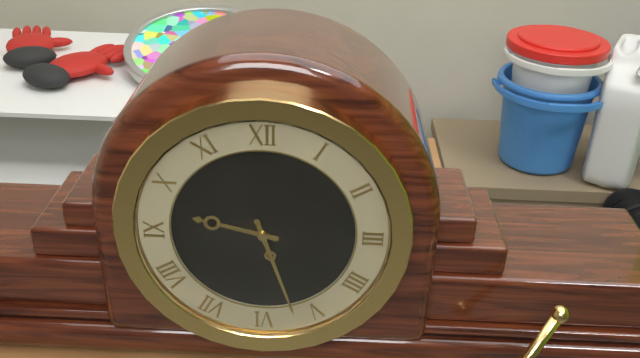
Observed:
9:27
